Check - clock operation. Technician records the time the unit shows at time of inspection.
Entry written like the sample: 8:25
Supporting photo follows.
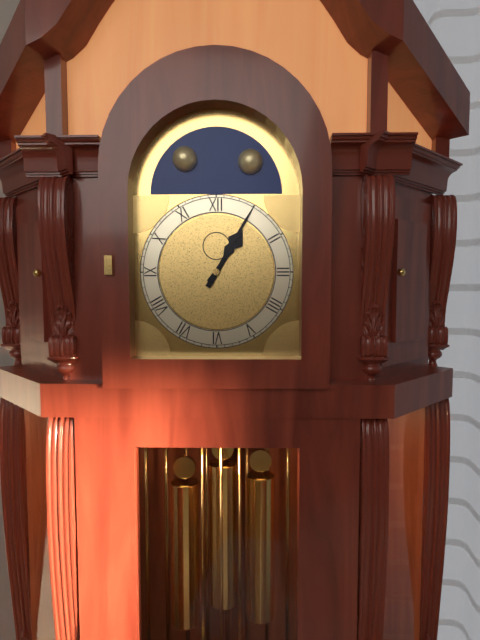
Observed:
1:05
